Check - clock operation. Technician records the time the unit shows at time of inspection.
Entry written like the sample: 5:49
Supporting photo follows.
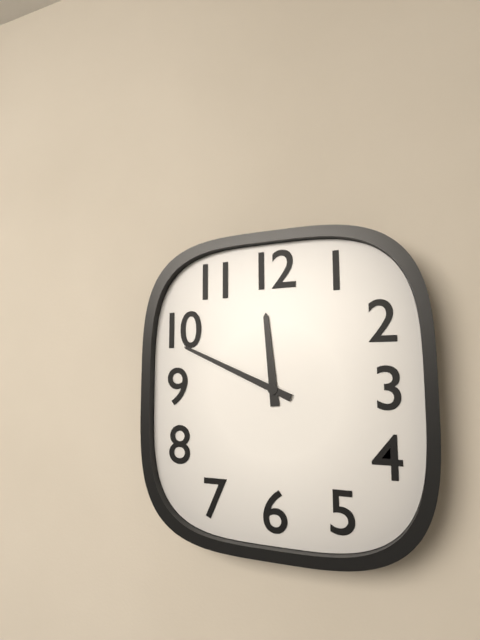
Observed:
11:49
